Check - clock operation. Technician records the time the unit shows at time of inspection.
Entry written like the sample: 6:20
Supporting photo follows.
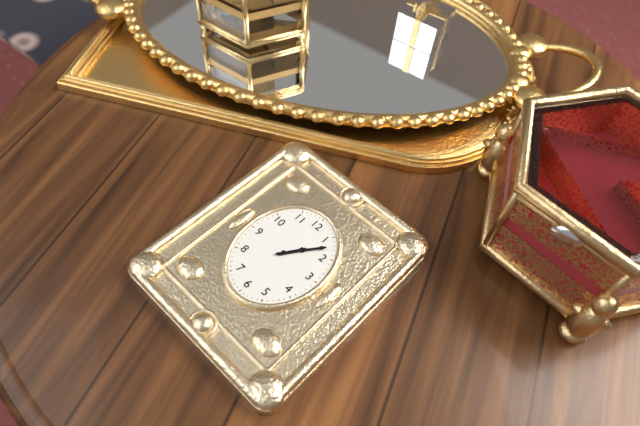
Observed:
1:06
